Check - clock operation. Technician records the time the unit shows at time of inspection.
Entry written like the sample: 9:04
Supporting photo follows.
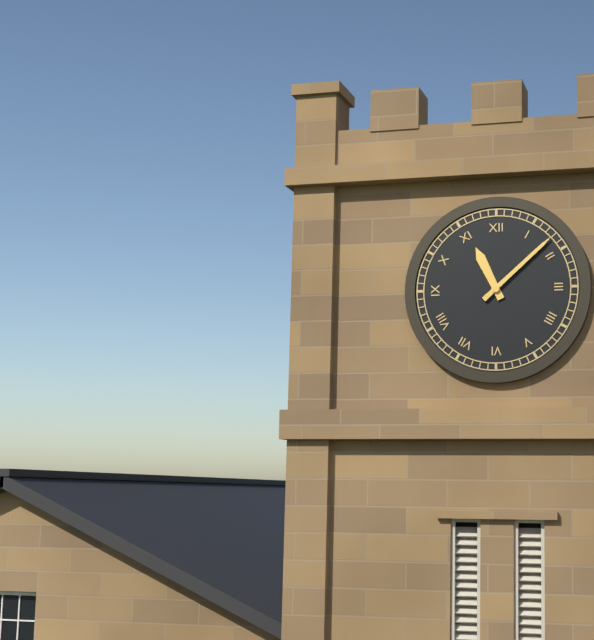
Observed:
11:08
